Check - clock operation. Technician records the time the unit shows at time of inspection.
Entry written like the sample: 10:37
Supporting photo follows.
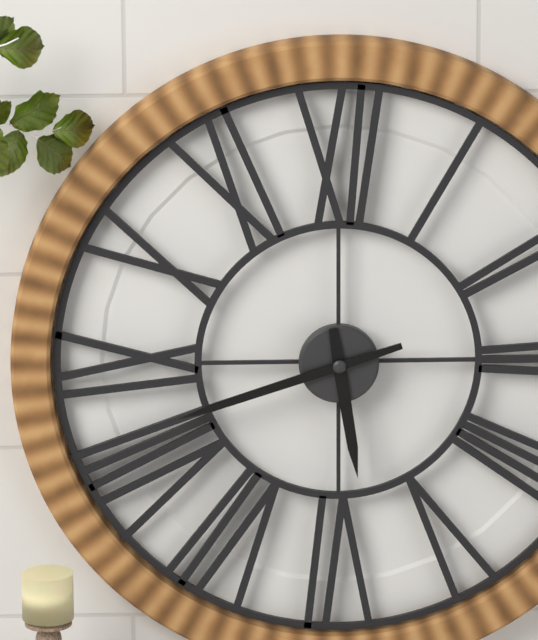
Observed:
5:42
